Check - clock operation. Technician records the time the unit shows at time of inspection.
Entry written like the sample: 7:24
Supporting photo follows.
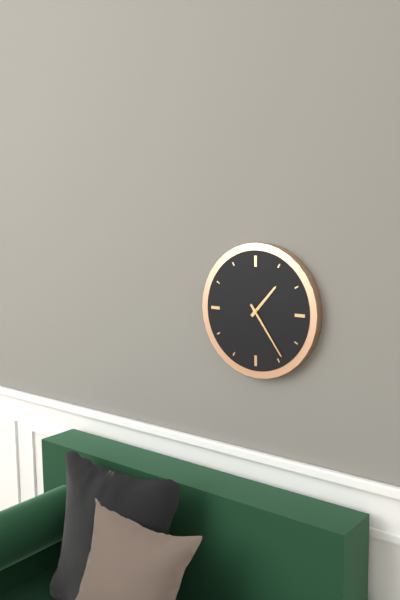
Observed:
1:24
